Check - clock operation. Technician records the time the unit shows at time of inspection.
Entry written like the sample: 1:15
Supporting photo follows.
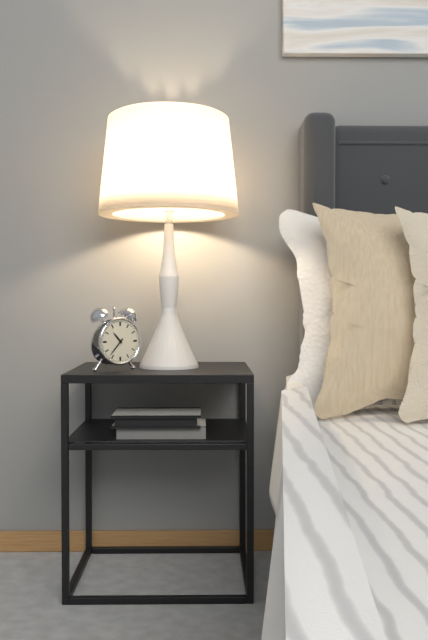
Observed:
10:37
